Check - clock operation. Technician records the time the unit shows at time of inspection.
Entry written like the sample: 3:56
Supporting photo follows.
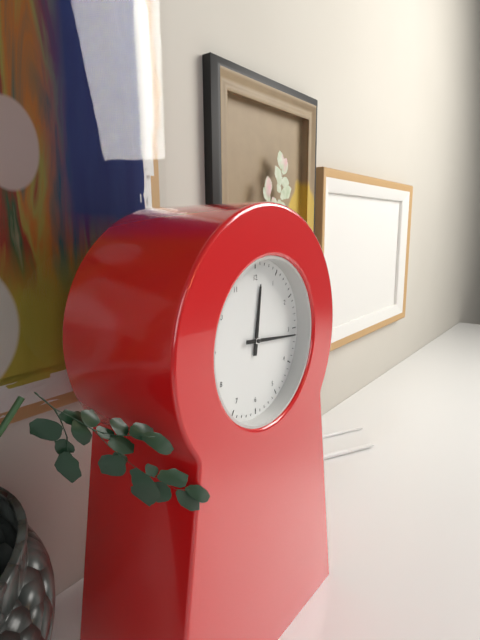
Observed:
12:16
